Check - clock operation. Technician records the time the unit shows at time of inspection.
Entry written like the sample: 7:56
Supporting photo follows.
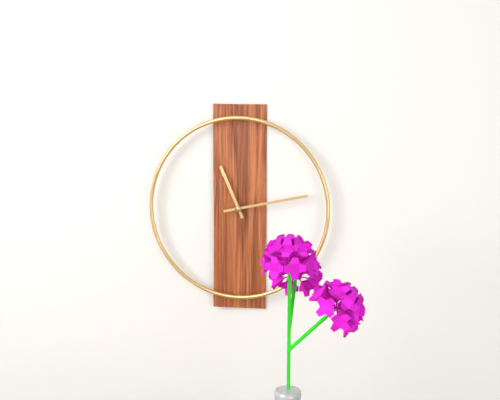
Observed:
11:13
